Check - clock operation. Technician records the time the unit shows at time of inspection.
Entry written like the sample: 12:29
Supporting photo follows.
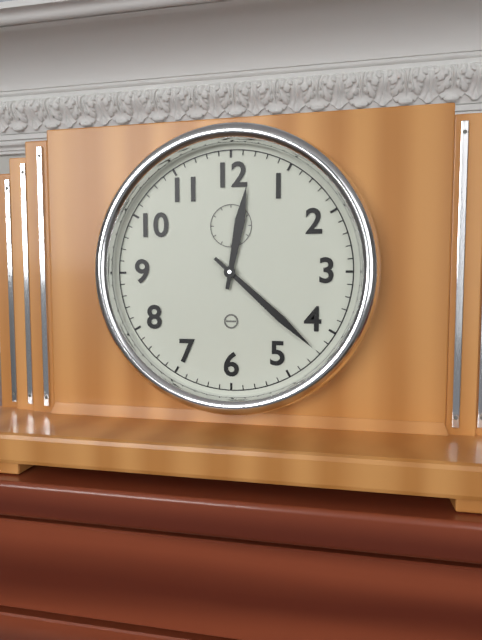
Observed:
12:22
